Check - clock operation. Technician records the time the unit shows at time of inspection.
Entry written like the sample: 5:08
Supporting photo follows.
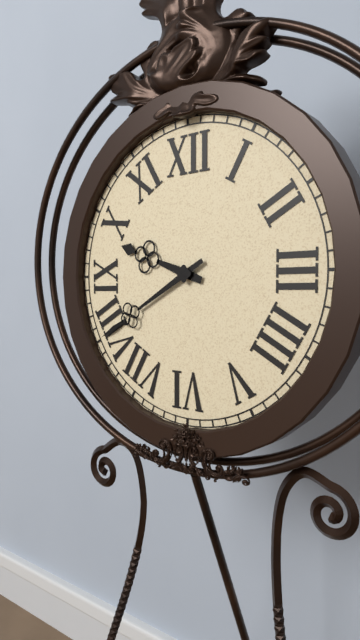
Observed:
9:40
